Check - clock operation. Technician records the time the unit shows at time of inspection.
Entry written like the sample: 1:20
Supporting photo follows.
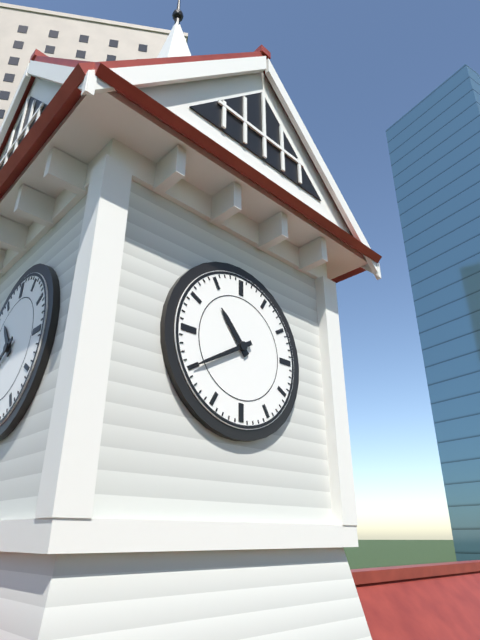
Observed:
10:40
